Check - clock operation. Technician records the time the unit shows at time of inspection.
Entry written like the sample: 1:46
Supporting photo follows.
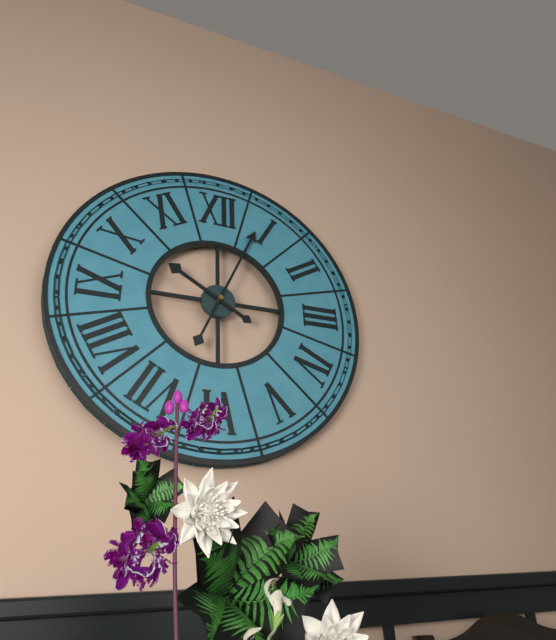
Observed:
10:04
